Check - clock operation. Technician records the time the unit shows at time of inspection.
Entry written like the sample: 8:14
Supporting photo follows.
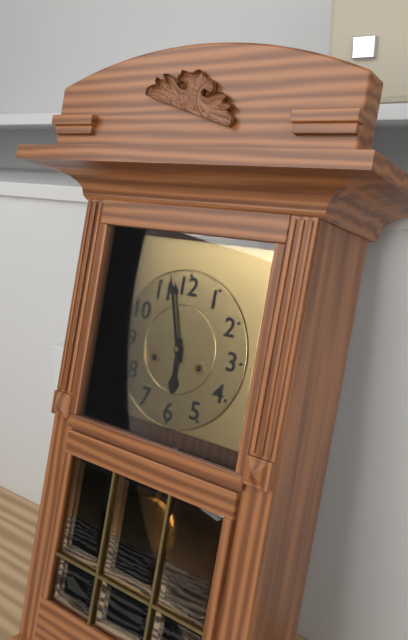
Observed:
5:57
